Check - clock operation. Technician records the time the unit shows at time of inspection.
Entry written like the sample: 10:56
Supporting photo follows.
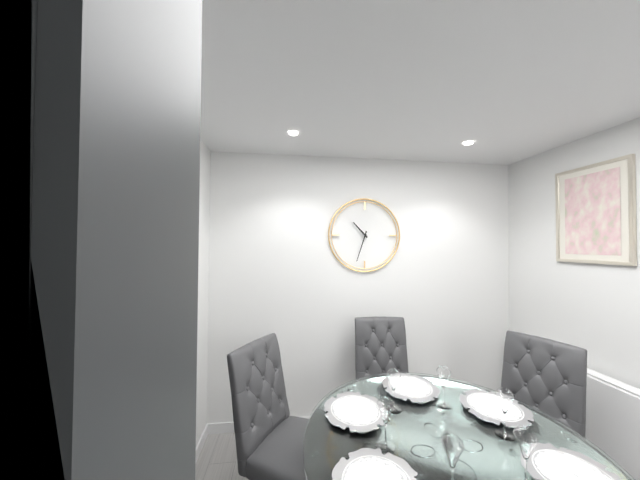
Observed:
10:33
